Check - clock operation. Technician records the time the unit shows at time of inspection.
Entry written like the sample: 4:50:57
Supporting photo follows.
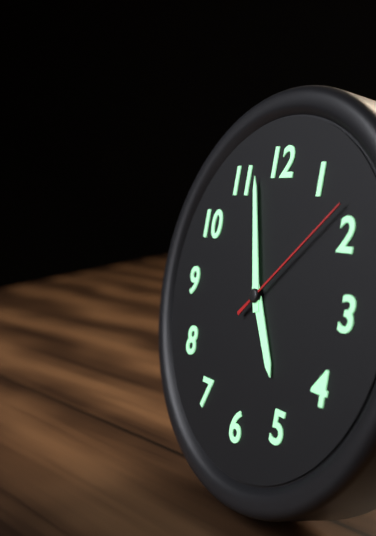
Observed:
4:57:08
